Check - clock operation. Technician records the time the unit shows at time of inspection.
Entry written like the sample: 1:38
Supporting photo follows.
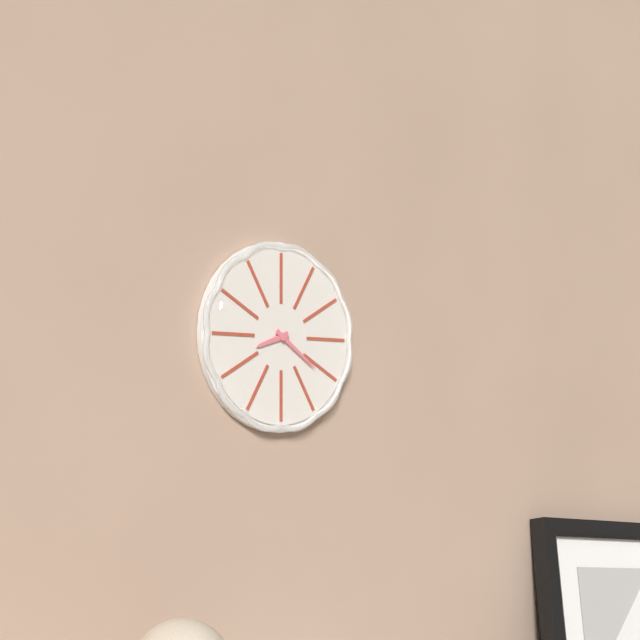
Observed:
8:21
